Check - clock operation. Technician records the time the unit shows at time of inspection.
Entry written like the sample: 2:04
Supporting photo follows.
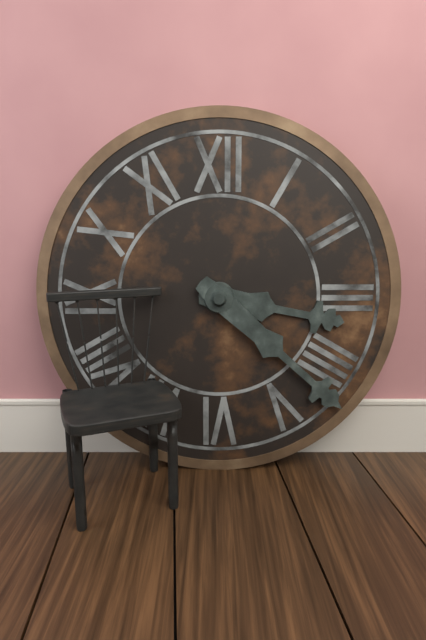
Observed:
3:22
